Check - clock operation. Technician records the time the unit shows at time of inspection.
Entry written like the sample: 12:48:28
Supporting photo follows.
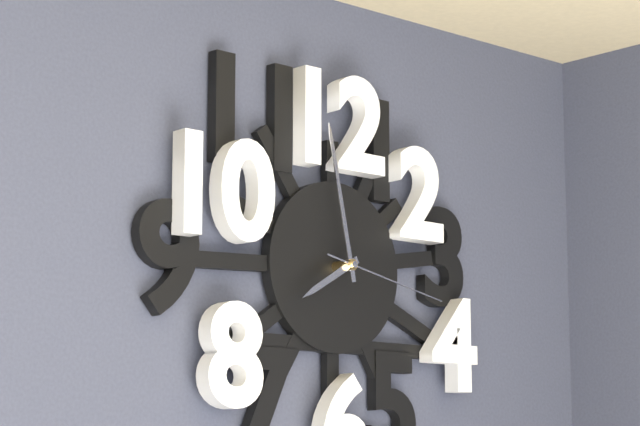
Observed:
7:58:17
